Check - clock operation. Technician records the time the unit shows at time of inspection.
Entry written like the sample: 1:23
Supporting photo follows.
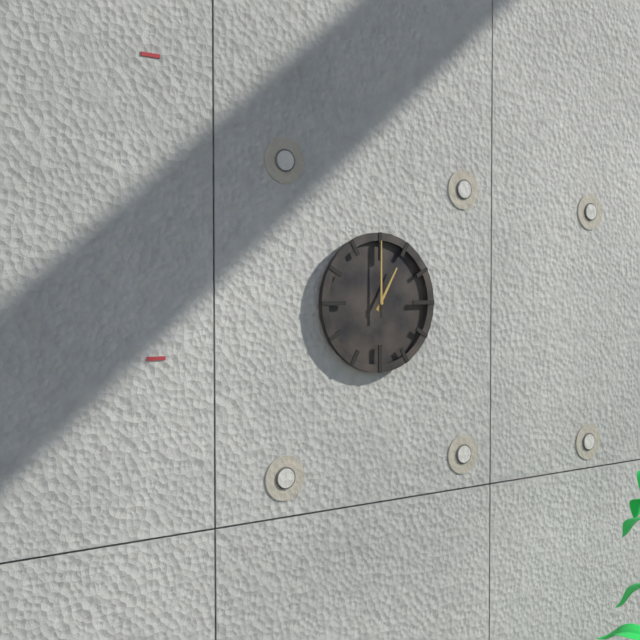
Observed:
1:00
